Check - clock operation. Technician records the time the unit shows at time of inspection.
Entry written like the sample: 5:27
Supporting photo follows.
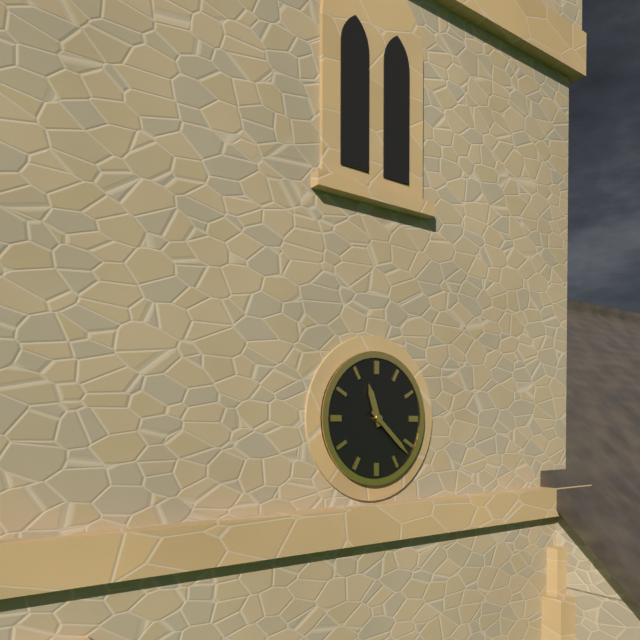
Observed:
11:22
